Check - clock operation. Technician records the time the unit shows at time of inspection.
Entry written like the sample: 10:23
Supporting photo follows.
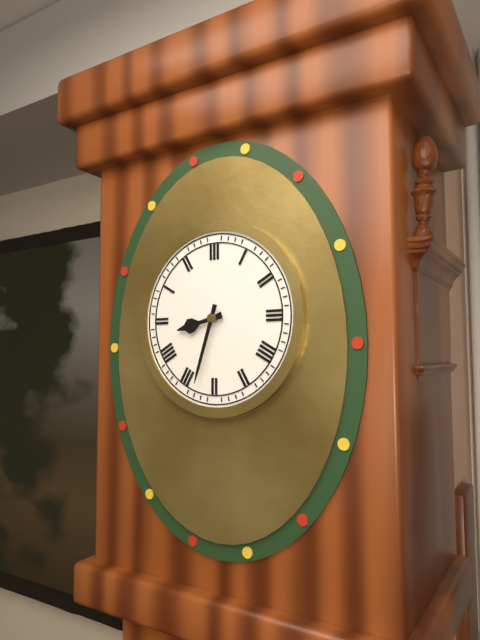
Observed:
8:33
